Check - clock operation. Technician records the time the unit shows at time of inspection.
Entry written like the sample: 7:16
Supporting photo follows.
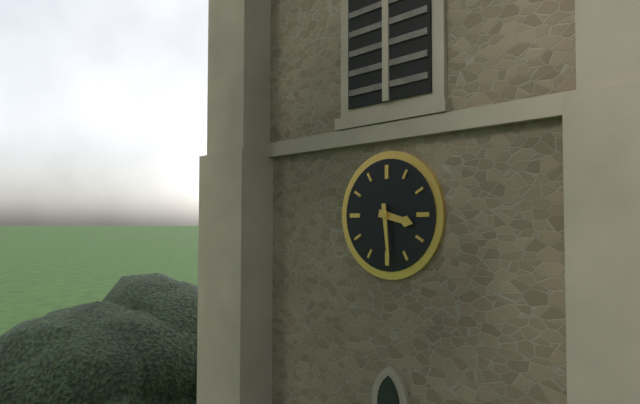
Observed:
3:29
